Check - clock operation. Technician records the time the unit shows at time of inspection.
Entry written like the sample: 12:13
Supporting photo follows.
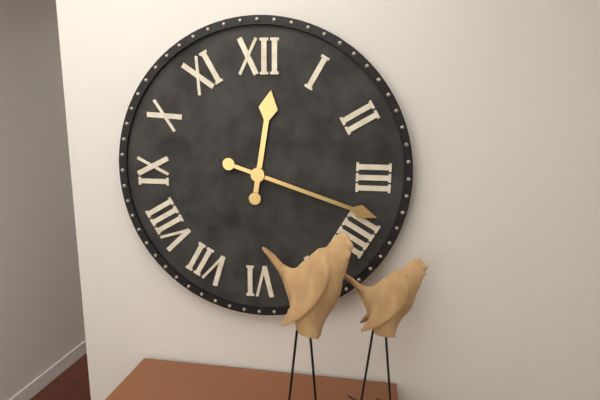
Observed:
12:18
